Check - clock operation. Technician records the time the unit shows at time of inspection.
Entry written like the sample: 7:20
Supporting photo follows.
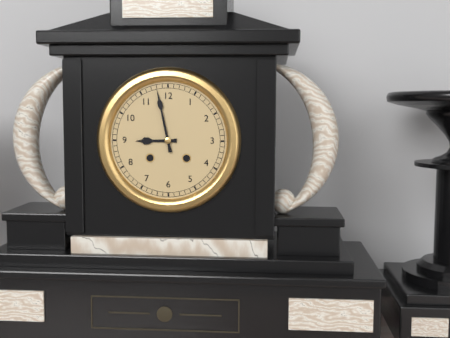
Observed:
8:58
